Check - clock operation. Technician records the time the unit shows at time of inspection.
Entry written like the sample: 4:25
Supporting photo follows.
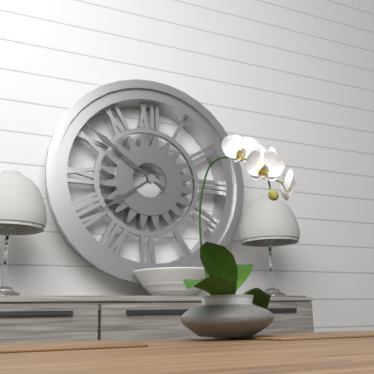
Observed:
7:51
